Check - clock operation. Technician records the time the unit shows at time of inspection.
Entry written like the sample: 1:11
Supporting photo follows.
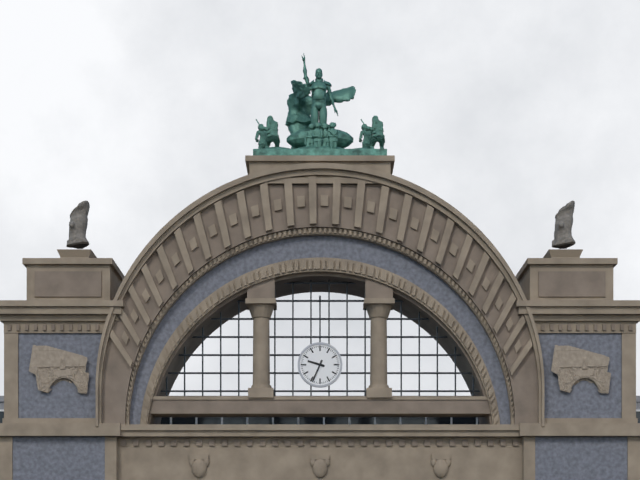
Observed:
9:34
